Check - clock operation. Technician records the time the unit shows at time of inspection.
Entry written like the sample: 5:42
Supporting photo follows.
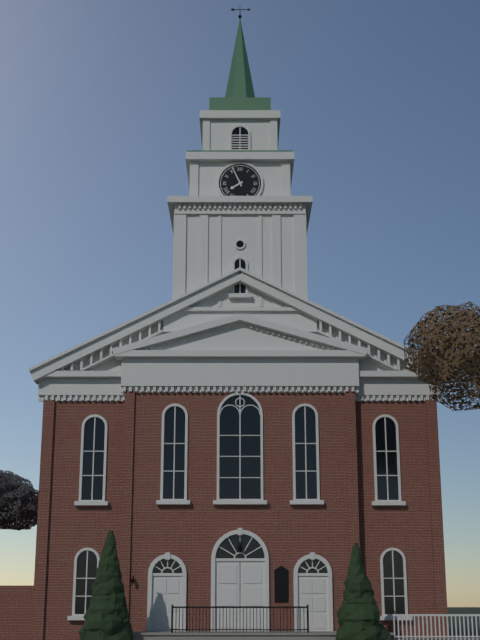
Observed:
7:56
